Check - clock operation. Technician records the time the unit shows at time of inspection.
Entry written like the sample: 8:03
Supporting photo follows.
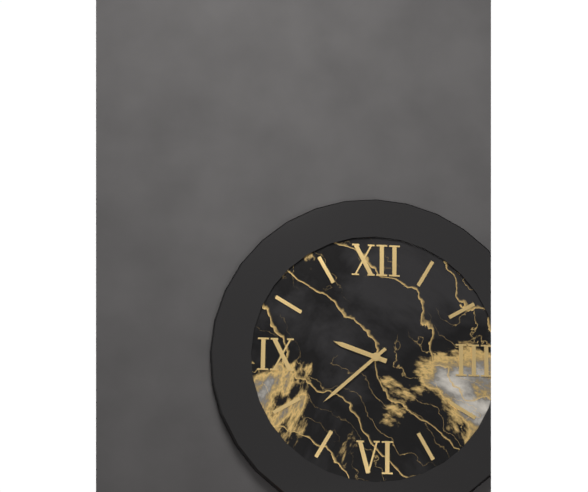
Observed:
9:38
